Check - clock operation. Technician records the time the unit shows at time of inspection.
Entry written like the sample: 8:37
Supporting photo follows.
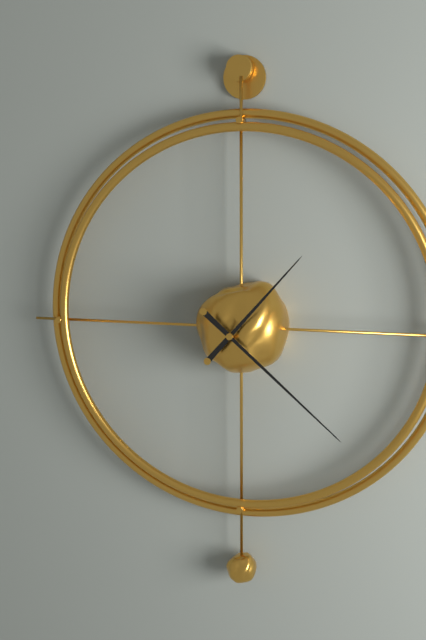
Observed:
1:22
